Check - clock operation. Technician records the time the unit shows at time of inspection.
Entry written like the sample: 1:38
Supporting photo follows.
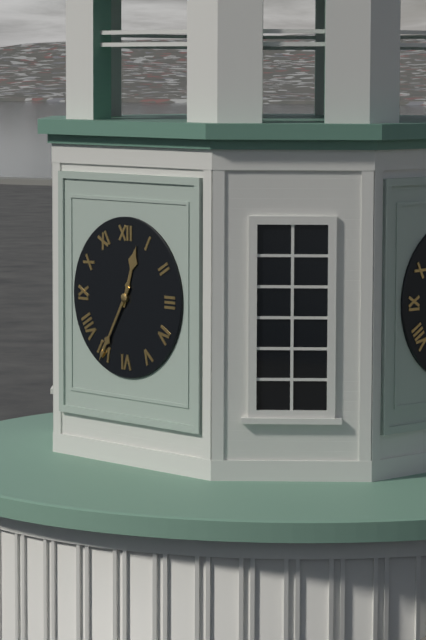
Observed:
12:35
